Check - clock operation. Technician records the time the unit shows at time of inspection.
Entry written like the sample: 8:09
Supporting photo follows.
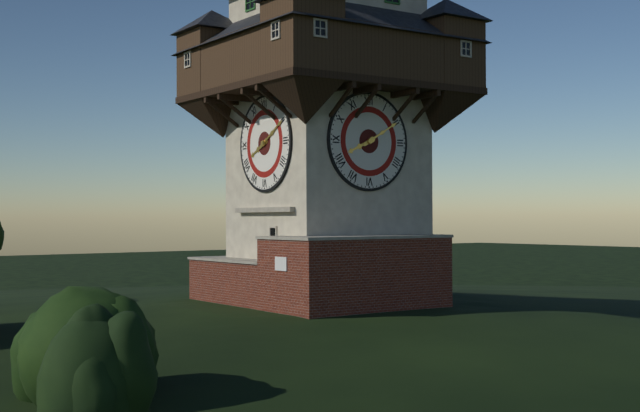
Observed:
8:10
